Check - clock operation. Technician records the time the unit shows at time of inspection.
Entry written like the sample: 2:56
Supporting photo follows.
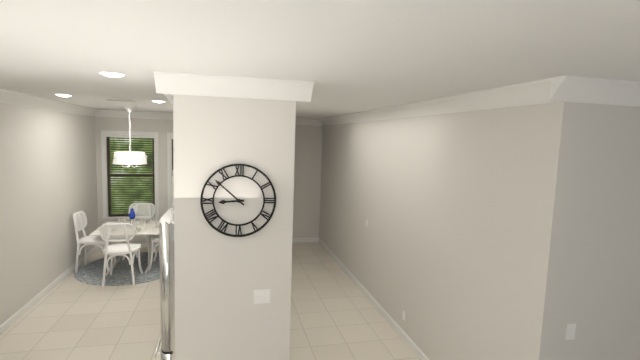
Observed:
8:52
